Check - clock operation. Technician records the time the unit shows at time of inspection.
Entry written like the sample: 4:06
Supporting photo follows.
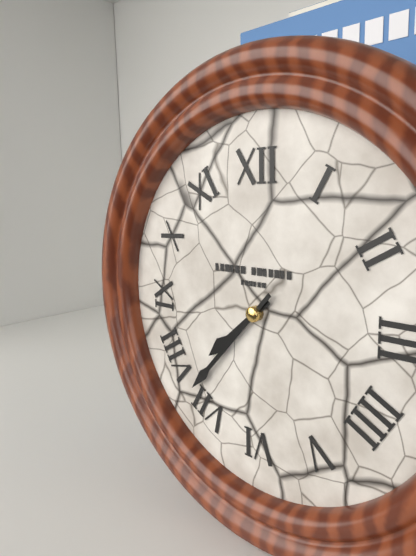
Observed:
7:37
